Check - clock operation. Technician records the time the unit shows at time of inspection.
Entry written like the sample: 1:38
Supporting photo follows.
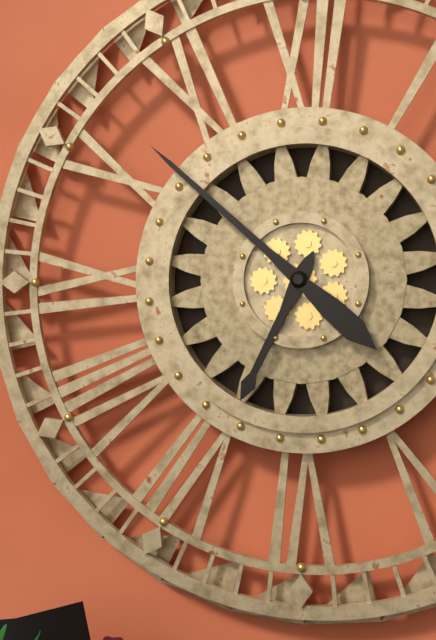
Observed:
6:52
